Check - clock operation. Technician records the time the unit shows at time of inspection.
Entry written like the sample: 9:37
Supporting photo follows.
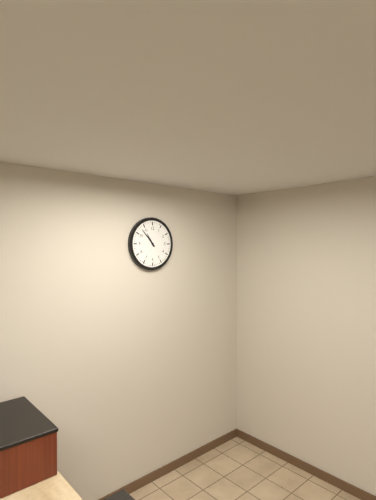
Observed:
10:53
